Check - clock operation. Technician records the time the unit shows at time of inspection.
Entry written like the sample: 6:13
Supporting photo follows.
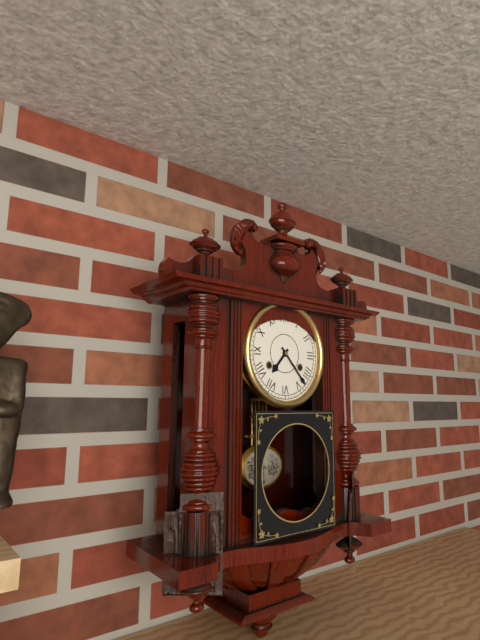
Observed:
7:23
